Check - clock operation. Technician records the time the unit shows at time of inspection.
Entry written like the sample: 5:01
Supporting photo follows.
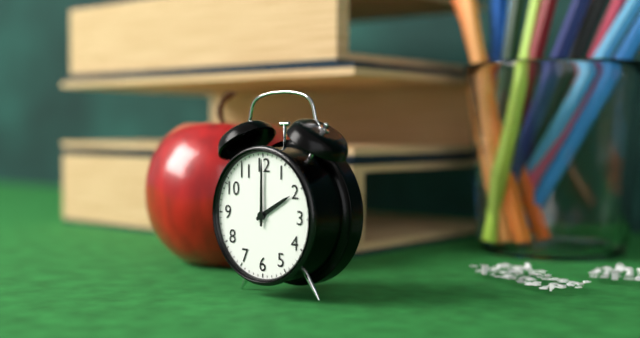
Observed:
2:00
